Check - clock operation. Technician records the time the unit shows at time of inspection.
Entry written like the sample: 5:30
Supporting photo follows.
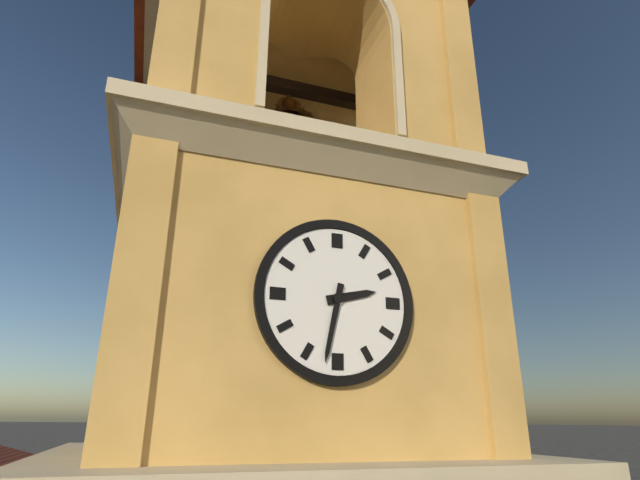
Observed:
2:32
